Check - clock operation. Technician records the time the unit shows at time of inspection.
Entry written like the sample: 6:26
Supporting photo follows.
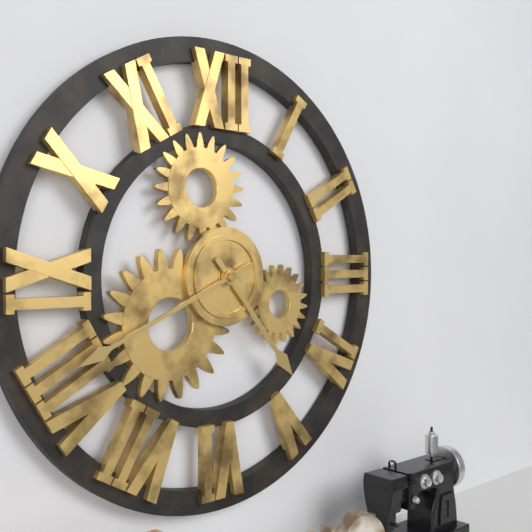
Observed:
4:41
